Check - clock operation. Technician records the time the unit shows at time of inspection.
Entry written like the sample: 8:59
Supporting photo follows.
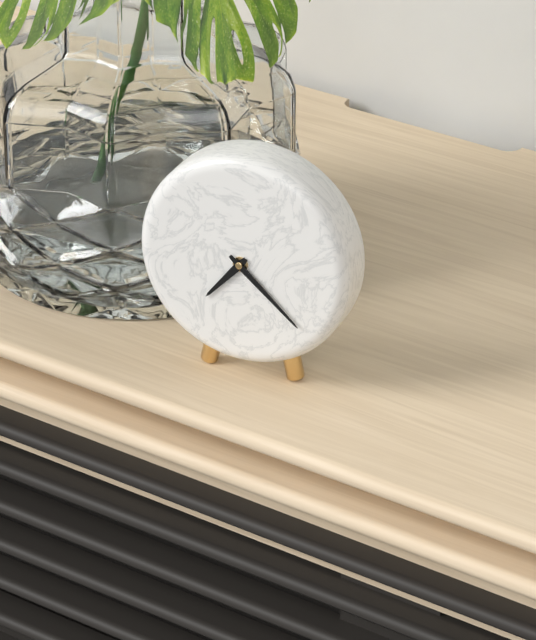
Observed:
7:22
